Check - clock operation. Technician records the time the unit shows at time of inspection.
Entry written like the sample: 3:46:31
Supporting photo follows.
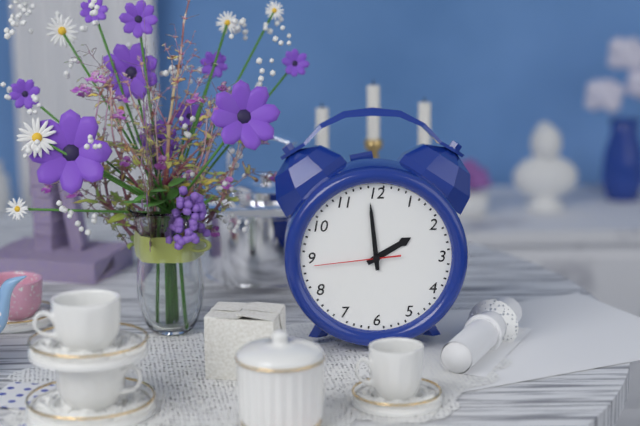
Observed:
1:59:44
